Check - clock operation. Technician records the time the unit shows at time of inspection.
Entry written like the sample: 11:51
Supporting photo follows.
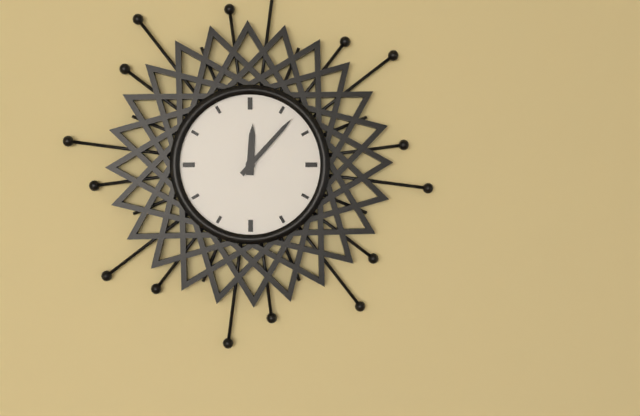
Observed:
12:07
